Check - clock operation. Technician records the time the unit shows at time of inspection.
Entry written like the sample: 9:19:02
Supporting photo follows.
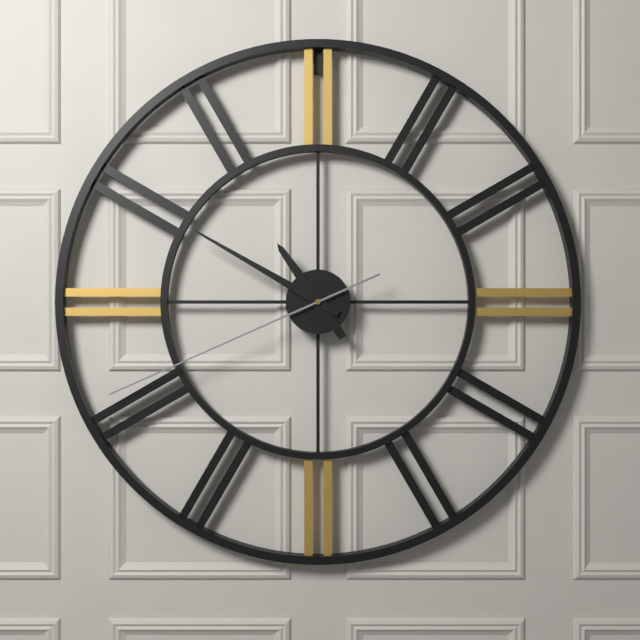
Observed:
10:50:41
